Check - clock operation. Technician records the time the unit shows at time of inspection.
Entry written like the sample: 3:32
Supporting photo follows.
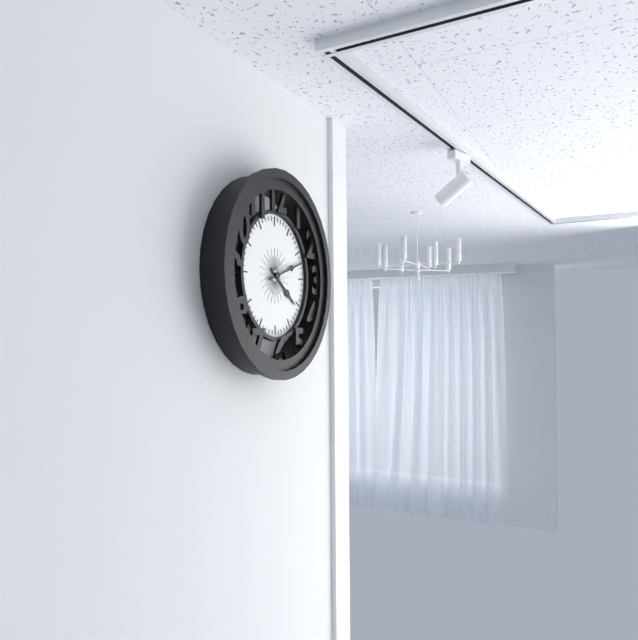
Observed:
4:12
